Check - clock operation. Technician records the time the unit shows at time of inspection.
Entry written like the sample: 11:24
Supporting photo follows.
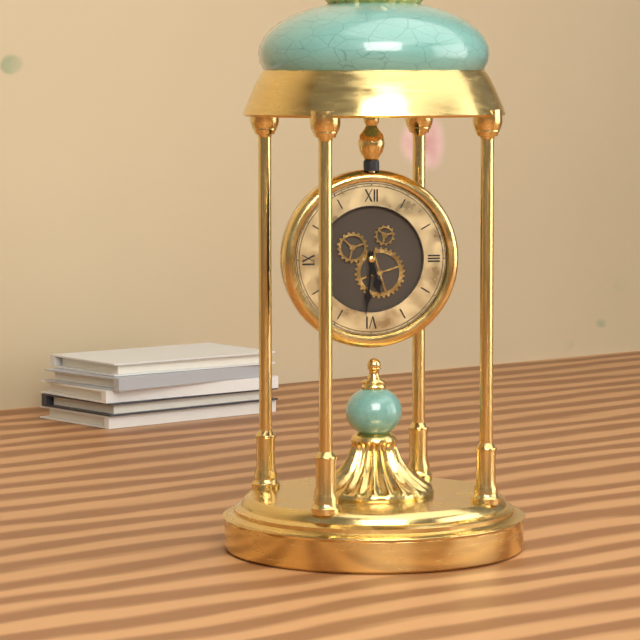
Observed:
5:31
